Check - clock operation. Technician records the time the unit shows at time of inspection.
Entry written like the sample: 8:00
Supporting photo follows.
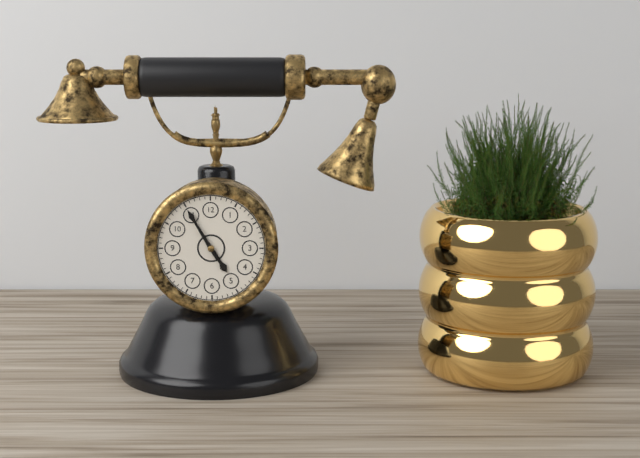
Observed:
4:55
